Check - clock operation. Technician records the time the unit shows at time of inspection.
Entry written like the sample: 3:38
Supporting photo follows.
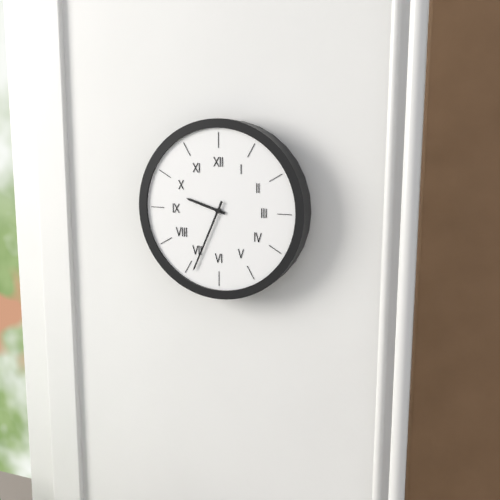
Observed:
9:34
